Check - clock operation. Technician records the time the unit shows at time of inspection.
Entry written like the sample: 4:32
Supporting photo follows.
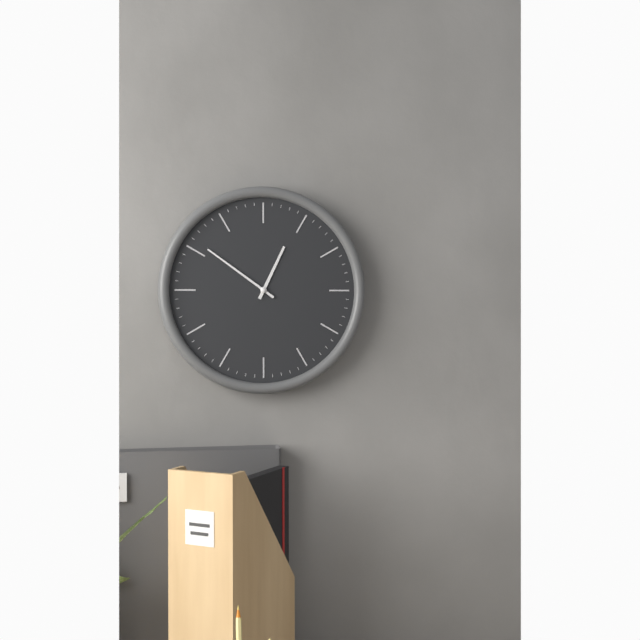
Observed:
12:51
